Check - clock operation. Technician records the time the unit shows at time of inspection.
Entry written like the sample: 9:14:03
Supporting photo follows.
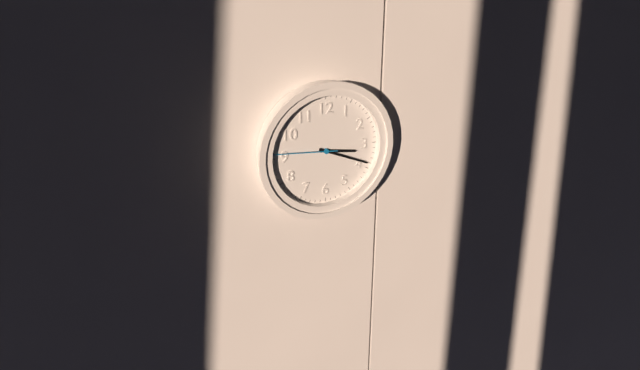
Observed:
3:19:46
